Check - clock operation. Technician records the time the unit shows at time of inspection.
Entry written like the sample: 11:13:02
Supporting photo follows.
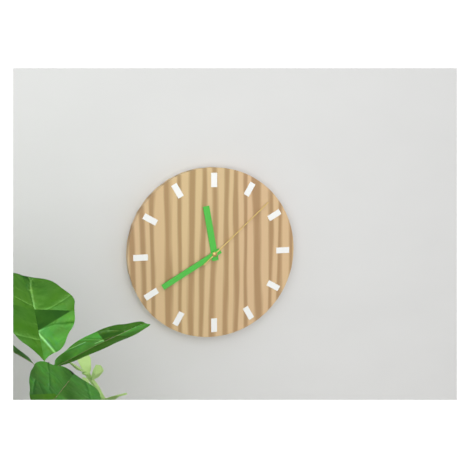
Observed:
11:40:08
